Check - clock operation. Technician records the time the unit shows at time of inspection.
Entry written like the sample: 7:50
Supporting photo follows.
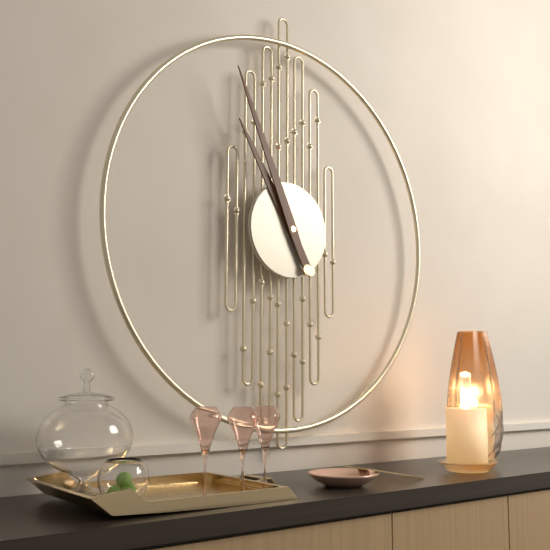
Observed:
10:56
